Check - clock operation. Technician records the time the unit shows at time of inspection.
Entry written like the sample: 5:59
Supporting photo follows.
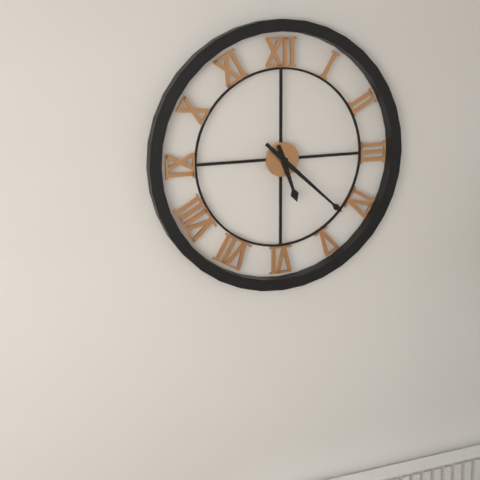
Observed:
5:22
